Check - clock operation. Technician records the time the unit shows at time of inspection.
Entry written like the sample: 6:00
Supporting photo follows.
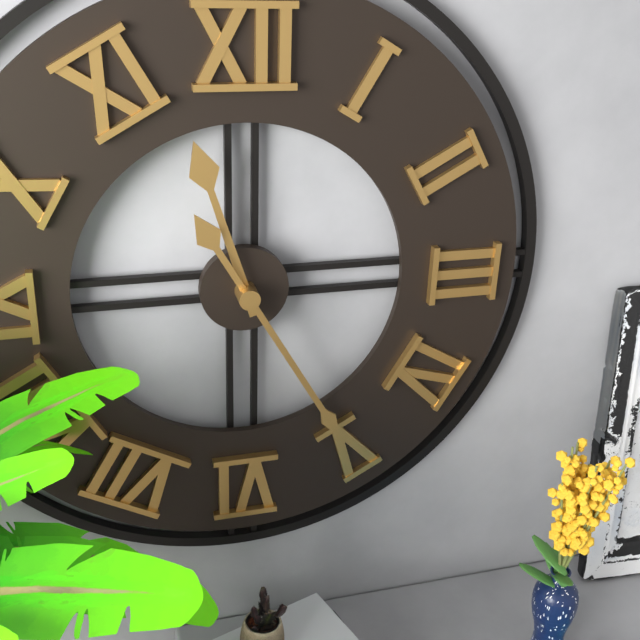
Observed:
11:25
